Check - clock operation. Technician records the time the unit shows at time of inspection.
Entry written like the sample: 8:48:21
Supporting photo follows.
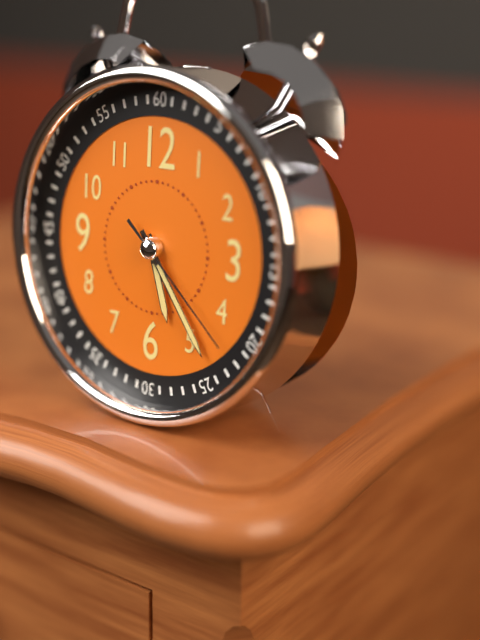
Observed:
5:24:22
